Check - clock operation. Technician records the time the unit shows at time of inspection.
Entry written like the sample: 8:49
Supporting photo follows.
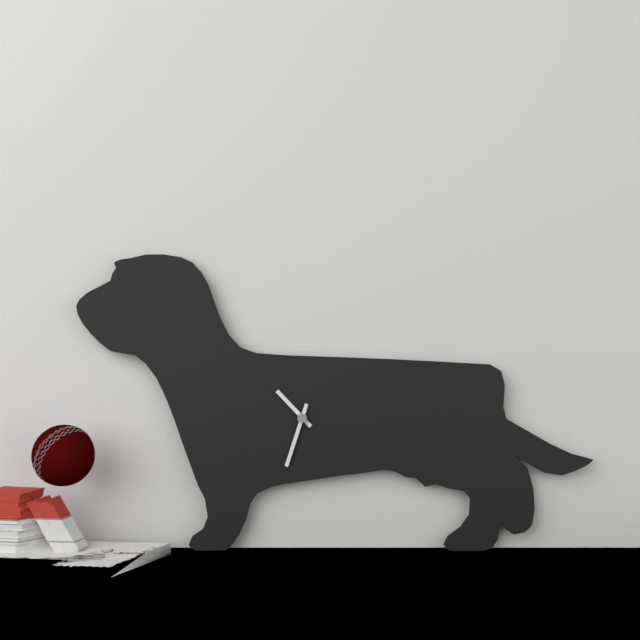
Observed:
10:33
